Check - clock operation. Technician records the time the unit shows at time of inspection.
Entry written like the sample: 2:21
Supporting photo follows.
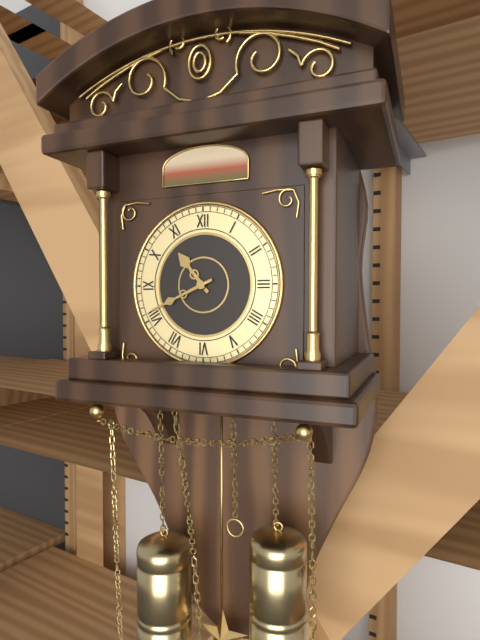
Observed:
10:41
